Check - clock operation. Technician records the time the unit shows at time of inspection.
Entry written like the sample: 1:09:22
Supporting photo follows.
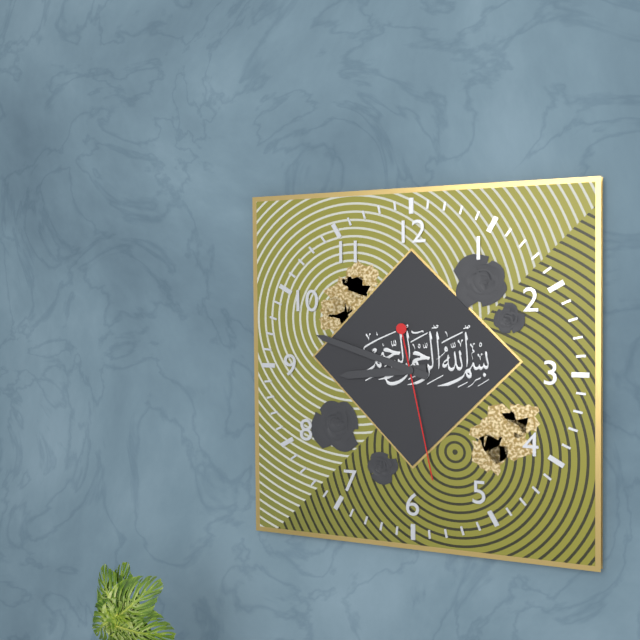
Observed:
8:48:28
